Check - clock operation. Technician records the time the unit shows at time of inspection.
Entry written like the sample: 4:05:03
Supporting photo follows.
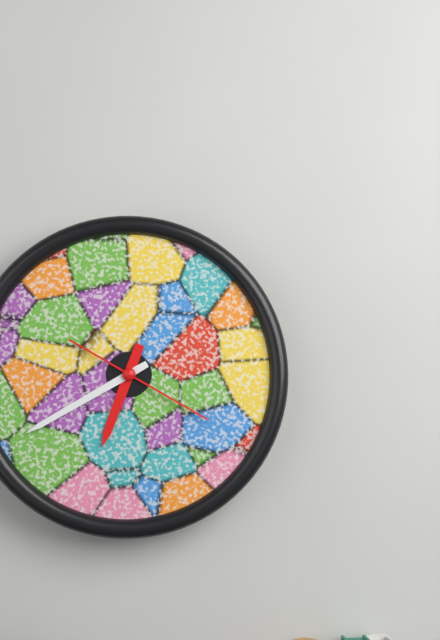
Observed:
6:40:20
